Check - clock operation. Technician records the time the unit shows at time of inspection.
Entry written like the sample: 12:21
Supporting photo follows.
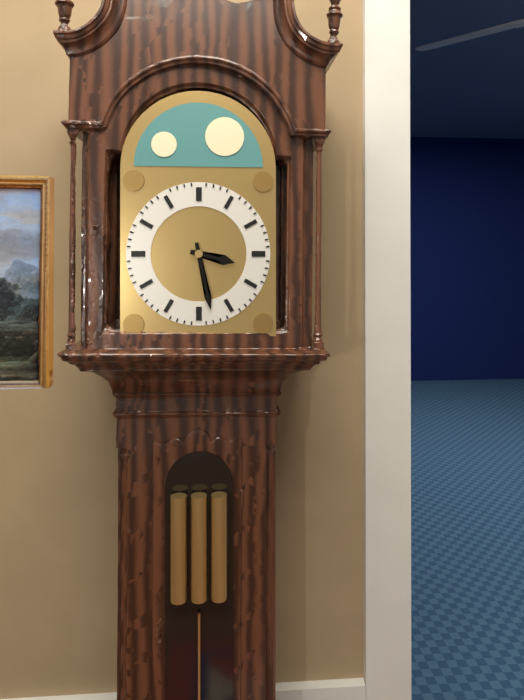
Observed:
3:28
